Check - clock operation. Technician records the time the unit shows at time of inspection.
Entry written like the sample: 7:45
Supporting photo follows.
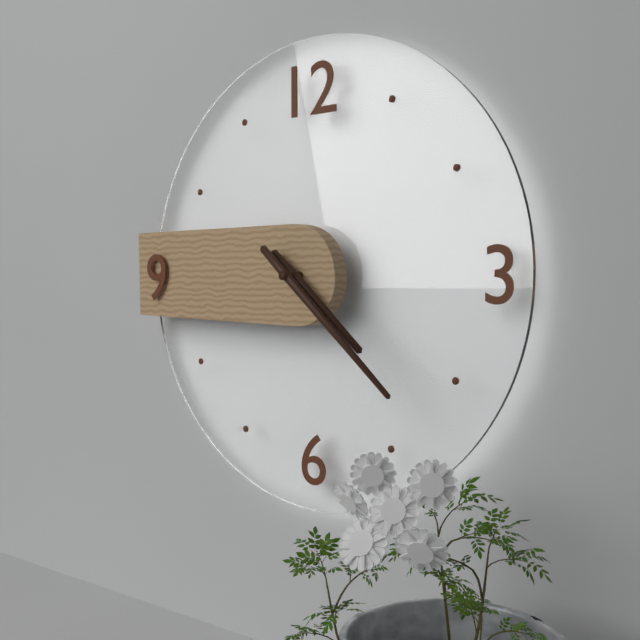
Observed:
4:22
